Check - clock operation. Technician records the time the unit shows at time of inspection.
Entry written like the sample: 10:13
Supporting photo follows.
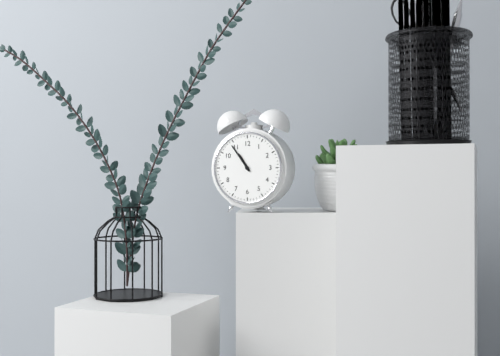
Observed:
10:54
